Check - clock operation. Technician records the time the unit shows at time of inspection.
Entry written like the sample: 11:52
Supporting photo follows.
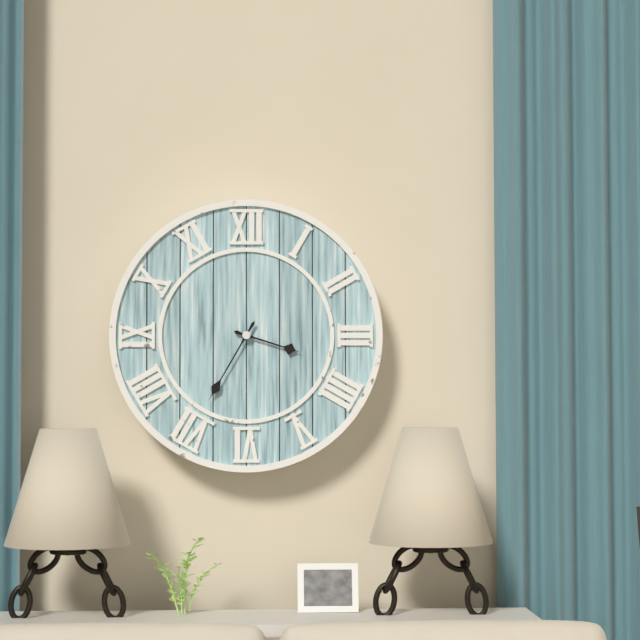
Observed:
3:35
